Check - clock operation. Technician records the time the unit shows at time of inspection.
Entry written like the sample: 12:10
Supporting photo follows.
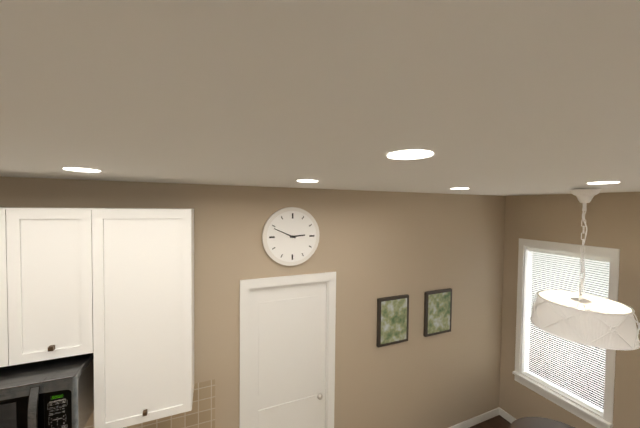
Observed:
2:49
